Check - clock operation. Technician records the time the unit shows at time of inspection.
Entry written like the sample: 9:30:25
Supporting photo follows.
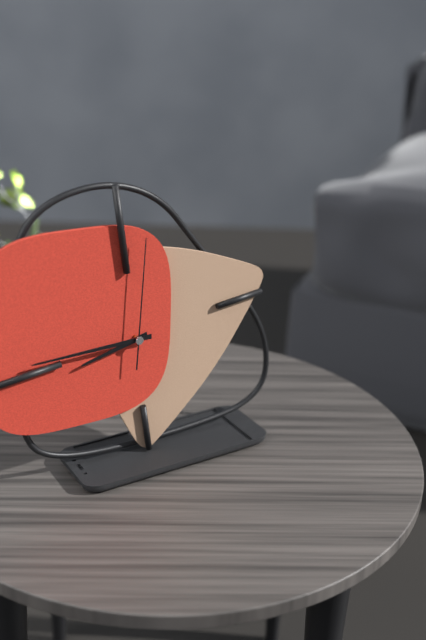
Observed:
8:46:02
